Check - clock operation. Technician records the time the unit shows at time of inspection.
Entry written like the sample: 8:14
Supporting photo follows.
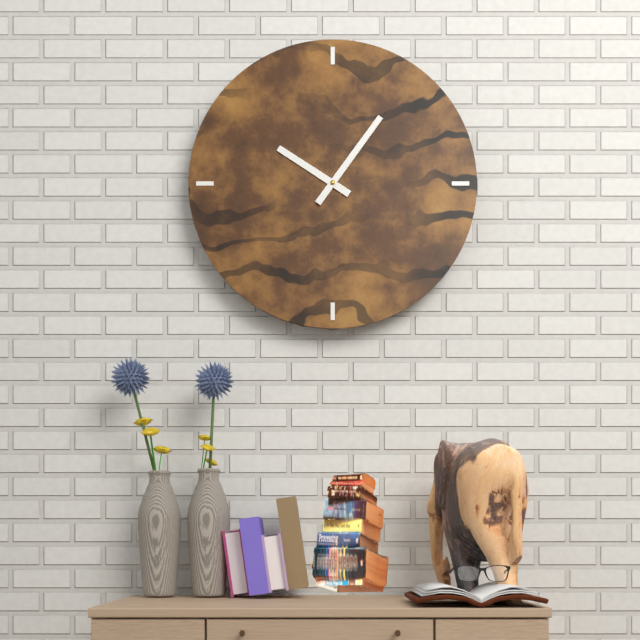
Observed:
10:06
